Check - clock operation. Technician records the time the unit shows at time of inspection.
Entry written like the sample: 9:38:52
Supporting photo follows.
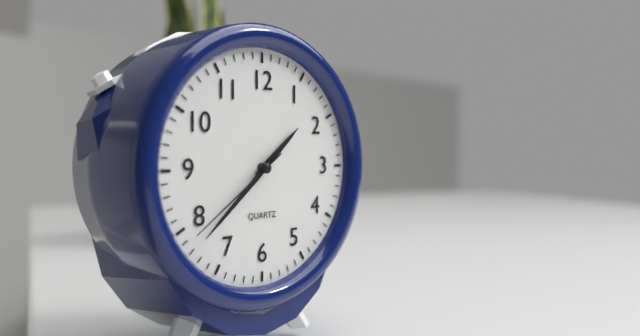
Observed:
1:38:39
